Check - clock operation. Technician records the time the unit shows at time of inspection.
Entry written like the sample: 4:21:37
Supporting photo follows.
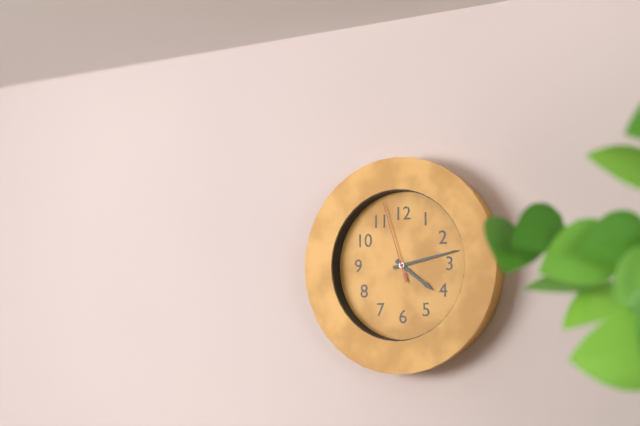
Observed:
4:13:57
